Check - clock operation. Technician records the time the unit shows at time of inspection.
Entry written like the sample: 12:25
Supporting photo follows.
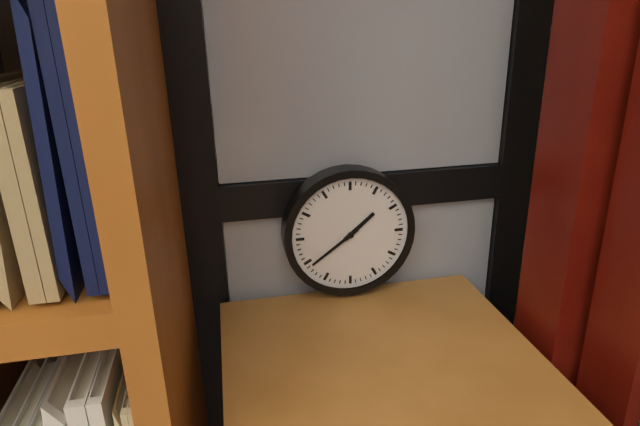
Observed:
1:39
